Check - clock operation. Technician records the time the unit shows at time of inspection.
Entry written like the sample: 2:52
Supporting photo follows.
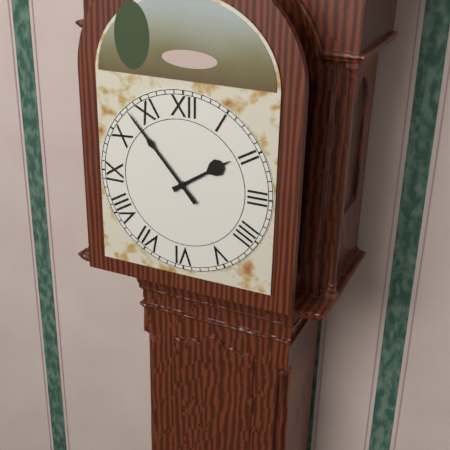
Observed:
1:53
